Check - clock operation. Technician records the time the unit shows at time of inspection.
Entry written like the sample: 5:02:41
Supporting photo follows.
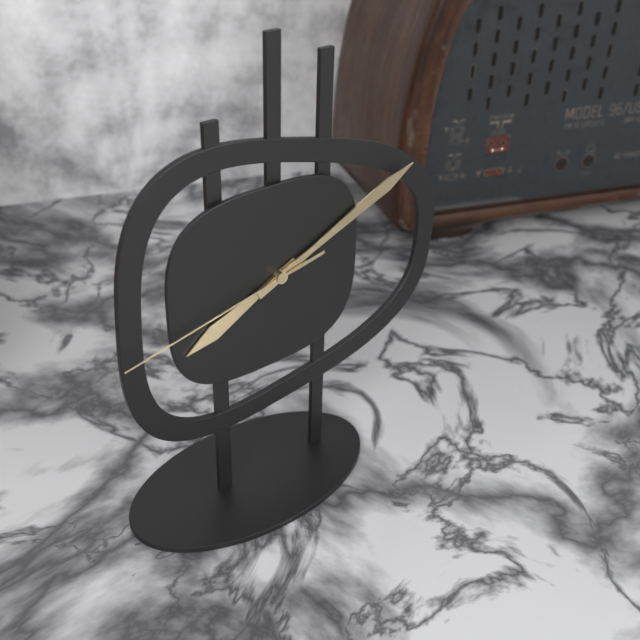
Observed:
8:11:43
